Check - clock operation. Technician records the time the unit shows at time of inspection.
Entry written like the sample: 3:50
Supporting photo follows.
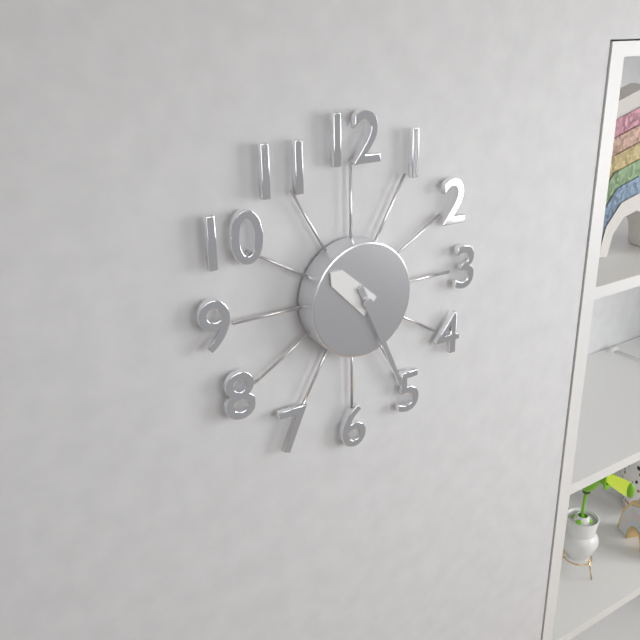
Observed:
10:26
